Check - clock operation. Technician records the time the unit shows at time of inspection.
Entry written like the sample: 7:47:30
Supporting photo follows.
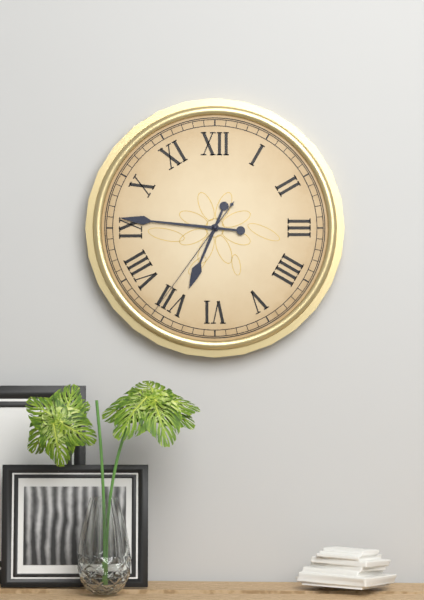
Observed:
6:46:36
